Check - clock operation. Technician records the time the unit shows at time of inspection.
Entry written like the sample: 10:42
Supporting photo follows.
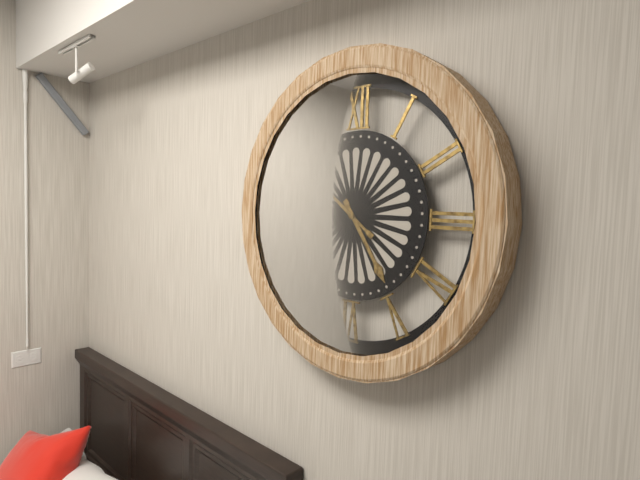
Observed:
4:51
